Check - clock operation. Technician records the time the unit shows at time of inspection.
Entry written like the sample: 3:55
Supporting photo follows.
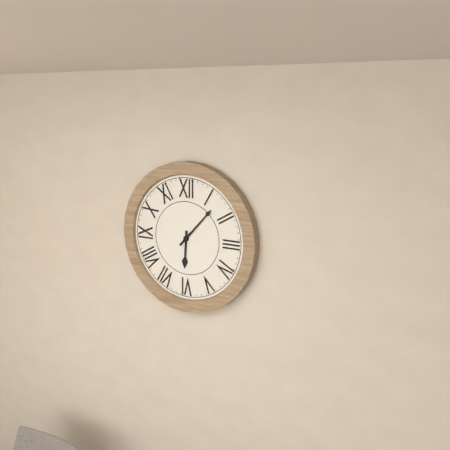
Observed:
6:07
